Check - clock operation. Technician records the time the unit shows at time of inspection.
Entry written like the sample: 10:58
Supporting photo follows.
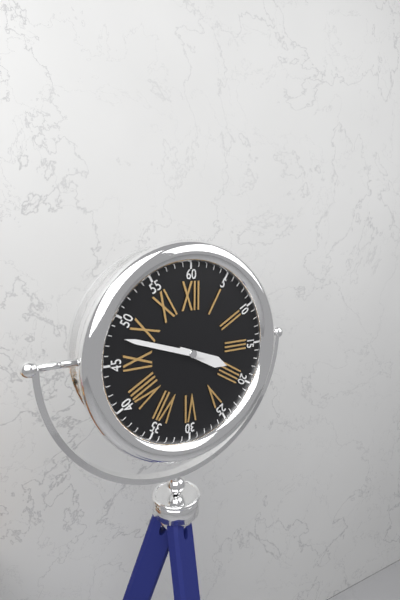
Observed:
3:48
